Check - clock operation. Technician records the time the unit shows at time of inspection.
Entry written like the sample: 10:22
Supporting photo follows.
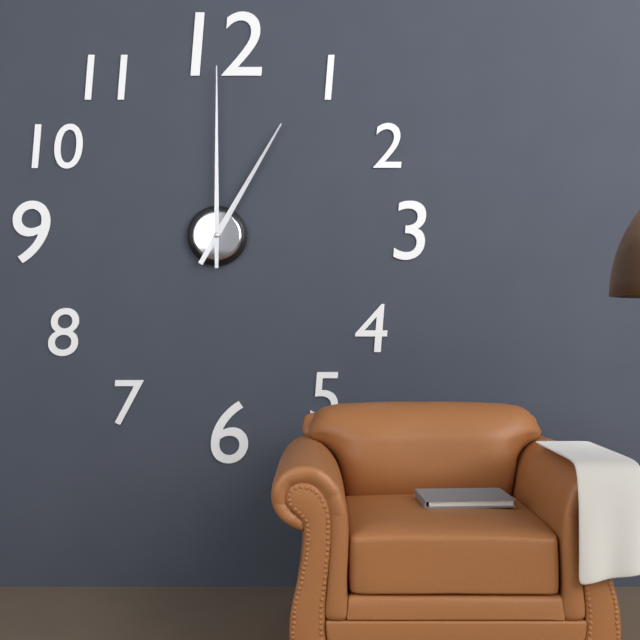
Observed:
1:00
